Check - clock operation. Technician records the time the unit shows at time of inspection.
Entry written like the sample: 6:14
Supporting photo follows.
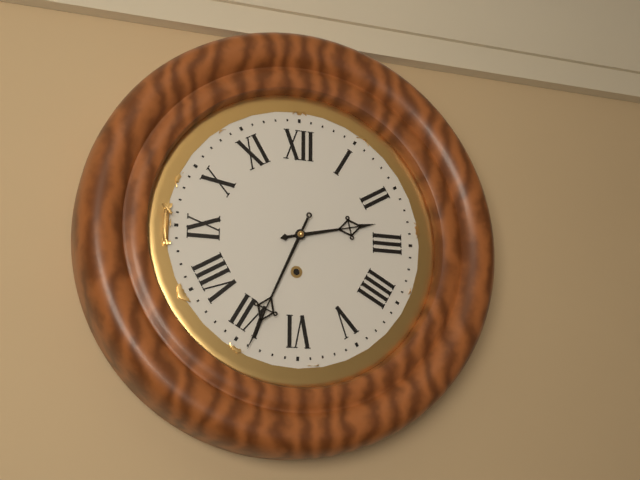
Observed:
2:34
